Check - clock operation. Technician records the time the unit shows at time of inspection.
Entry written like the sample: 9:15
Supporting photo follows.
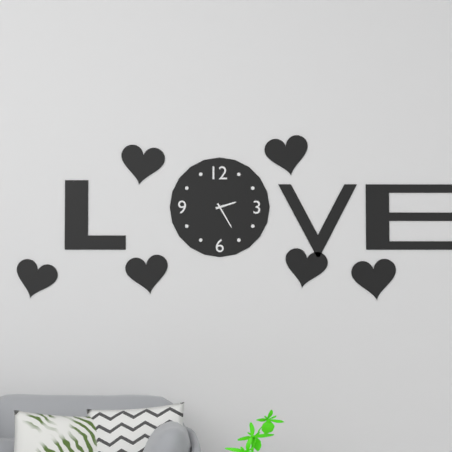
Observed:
2:25
